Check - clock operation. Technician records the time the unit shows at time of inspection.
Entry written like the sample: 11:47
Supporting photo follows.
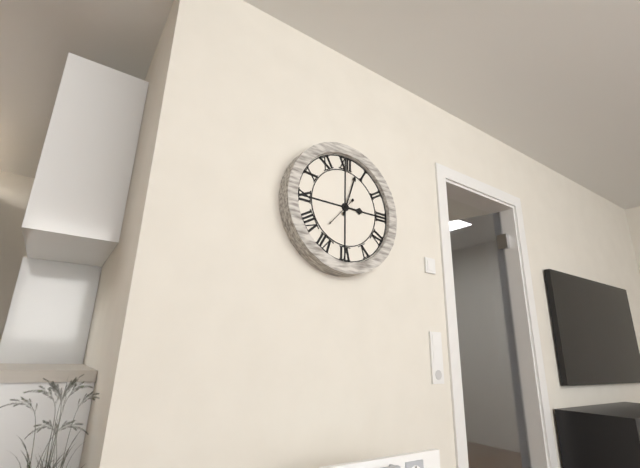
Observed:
3:03
